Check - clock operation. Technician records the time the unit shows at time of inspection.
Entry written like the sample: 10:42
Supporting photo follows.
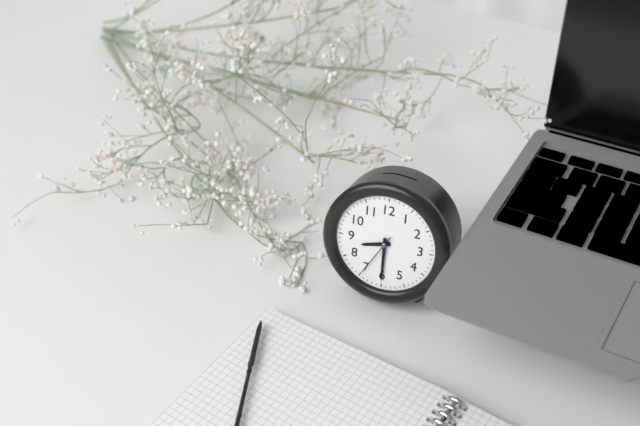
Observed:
8:30
